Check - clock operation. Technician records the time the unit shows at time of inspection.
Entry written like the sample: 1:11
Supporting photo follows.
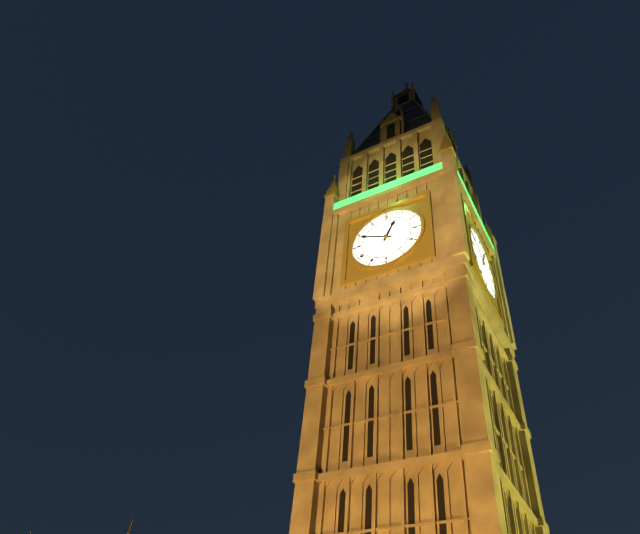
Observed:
12:49
